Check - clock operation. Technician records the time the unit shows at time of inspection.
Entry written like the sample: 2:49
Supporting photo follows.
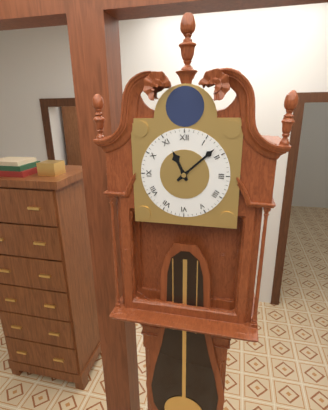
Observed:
11:08
